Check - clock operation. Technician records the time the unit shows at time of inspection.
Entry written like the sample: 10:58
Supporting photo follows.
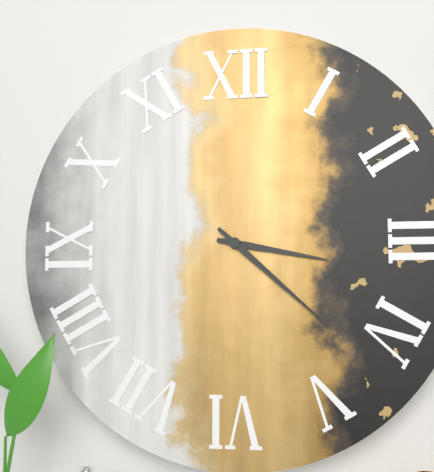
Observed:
3:22
